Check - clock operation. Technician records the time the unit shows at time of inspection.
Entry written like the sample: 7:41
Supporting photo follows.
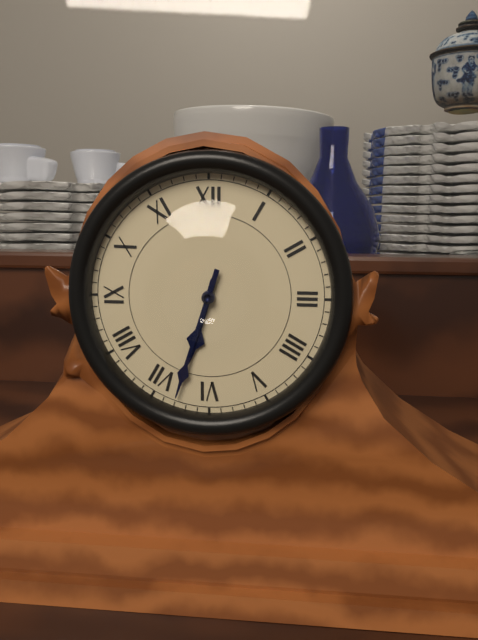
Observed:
6:33
